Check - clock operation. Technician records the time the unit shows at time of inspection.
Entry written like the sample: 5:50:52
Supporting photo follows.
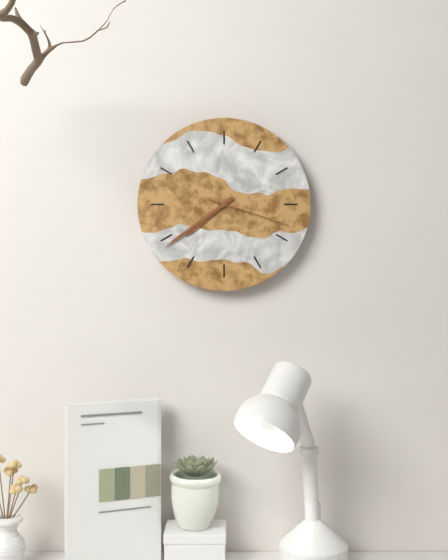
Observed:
7:39:18
